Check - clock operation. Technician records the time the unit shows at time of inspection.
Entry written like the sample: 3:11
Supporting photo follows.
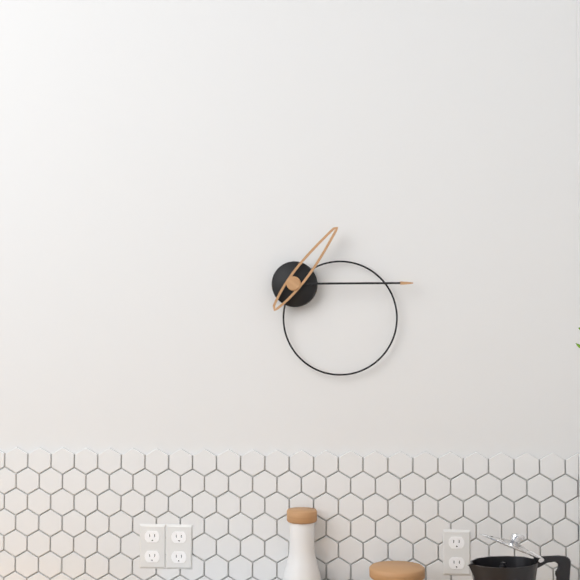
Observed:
1:15
